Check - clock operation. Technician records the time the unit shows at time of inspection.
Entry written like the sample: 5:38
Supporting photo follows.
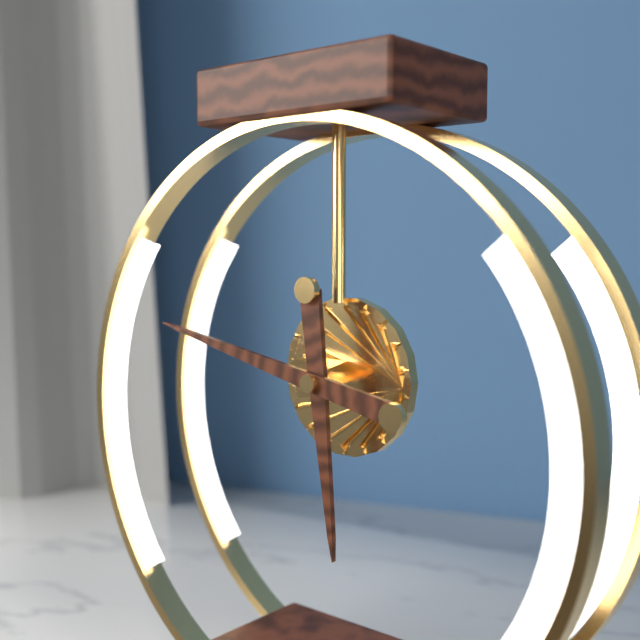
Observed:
5:47
